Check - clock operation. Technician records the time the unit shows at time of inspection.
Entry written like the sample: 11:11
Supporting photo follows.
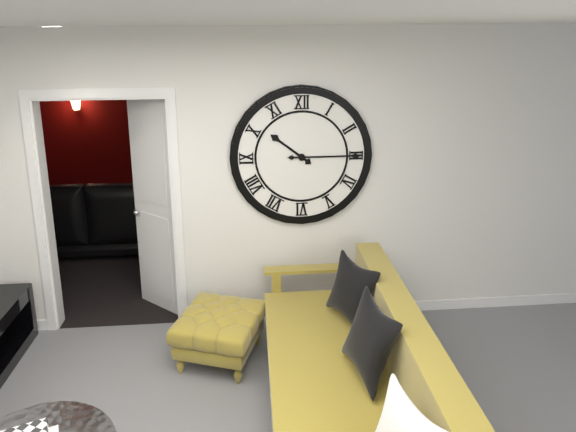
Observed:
10:15
